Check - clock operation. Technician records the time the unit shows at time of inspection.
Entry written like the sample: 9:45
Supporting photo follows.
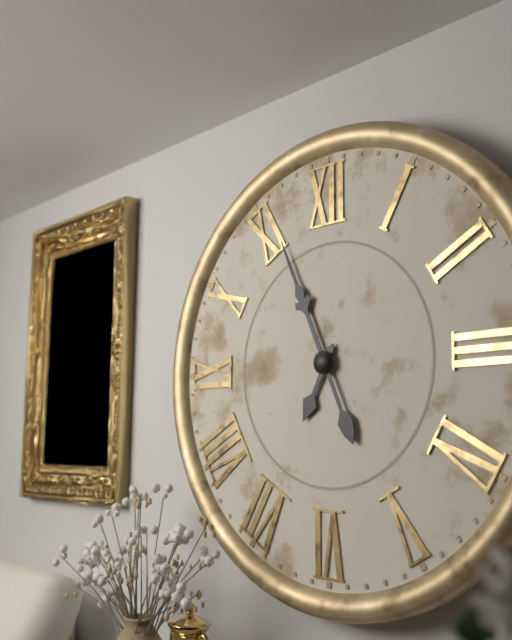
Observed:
6:56
